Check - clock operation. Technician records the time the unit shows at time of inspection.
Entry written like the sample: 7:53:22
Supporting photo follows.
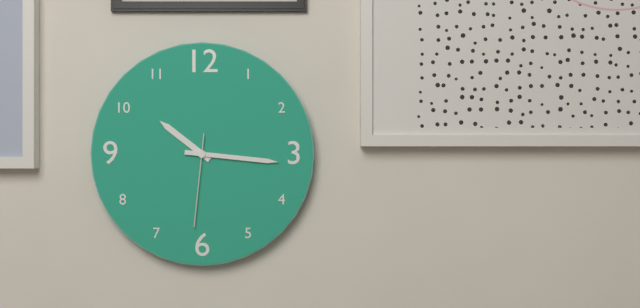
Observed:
10:16:31
